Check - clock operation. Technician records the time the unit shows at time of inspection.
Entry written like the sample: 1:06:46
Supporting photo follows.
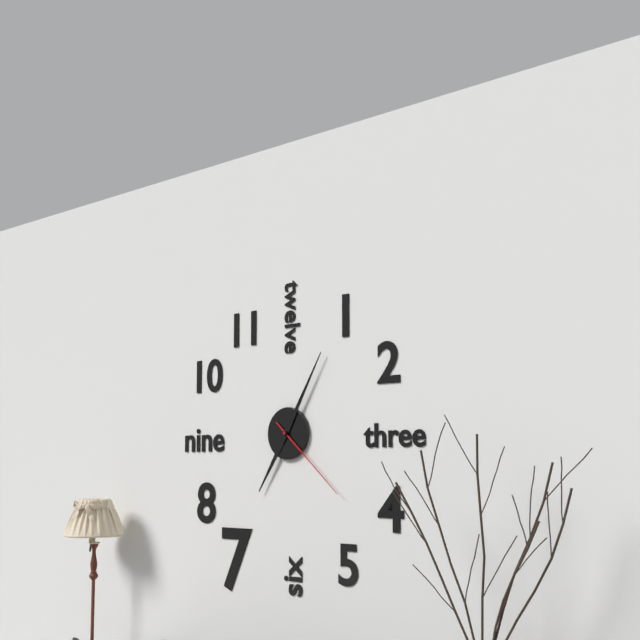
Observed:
7:05:22
